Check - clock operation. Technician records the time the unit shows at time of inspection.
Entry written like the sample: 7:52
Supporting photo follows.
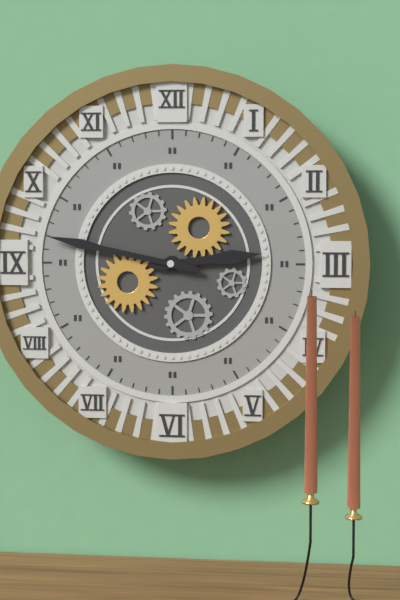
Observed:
2:47
